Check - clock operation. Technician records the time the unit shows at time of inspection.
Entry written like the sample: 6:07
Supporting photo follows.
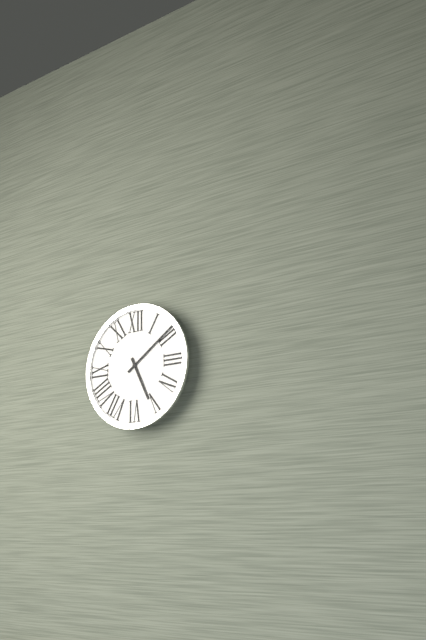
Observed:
5:09
